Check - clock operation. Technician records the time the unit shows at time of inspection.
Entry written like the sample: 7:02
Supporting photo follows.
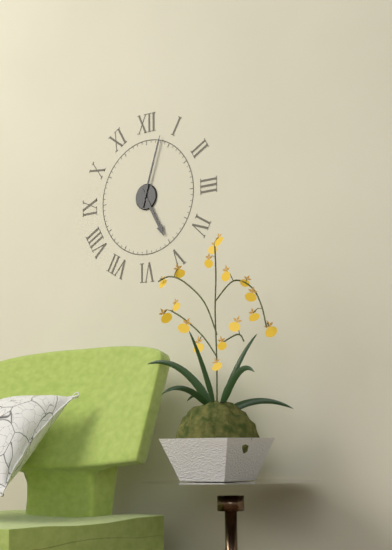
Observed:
5:03
